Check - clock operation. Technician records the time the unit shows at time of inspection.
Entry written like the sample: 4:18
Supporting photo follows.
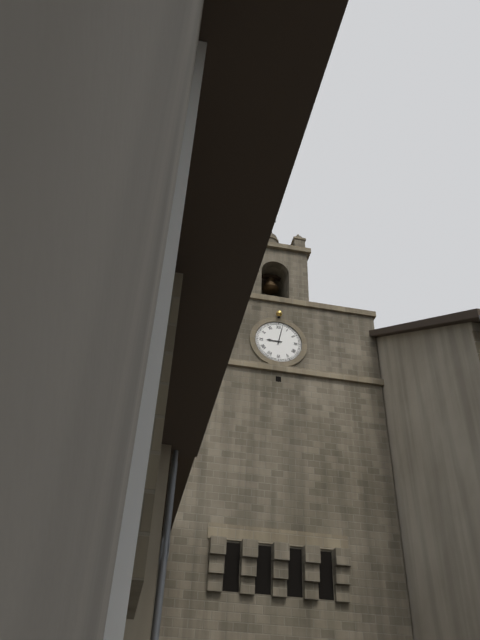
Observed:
9:02
